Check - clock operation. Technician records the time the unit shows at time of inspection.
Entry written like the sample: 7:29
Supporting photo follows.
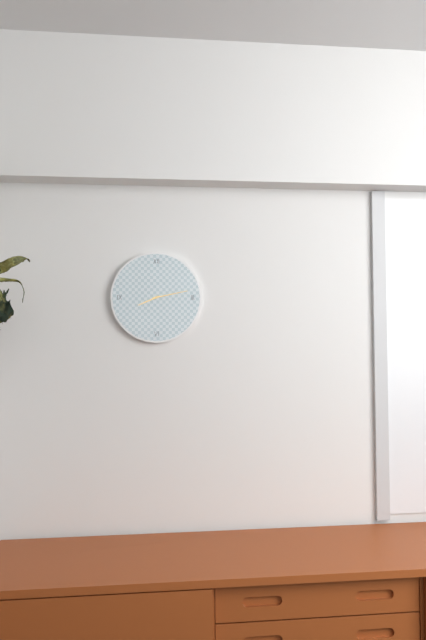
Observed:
8:13
